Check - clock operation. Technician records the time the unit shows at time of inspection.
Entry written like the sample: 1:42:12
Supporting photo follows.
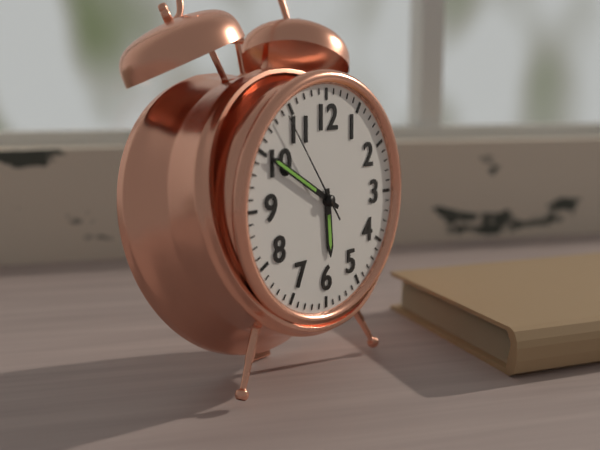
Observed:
5:50:54
